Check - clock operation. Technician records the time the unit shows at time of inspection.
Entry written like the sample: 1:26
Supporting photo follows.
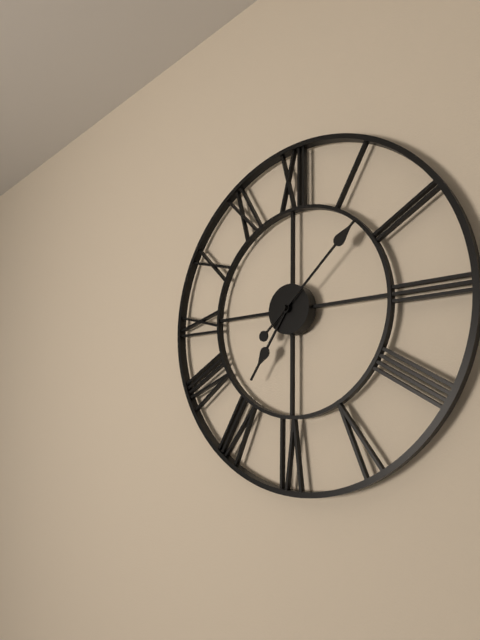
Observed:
7:08
